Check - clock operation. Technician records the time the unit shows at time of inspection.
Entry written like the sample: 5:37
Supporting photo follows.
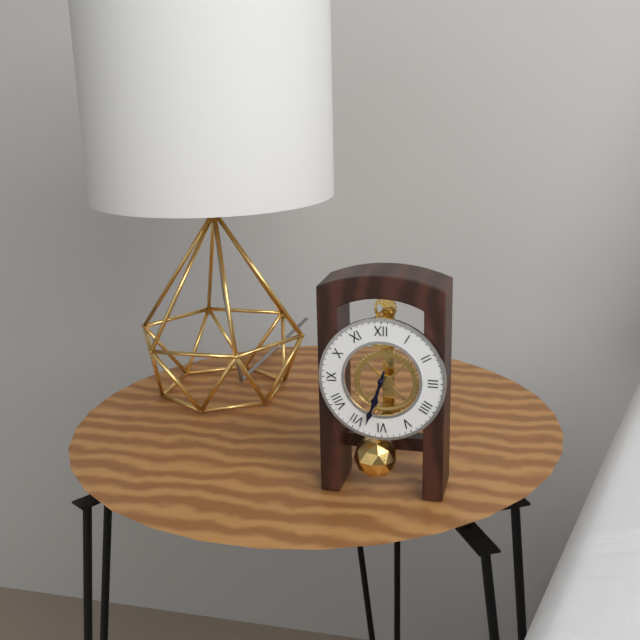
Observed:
6:33
